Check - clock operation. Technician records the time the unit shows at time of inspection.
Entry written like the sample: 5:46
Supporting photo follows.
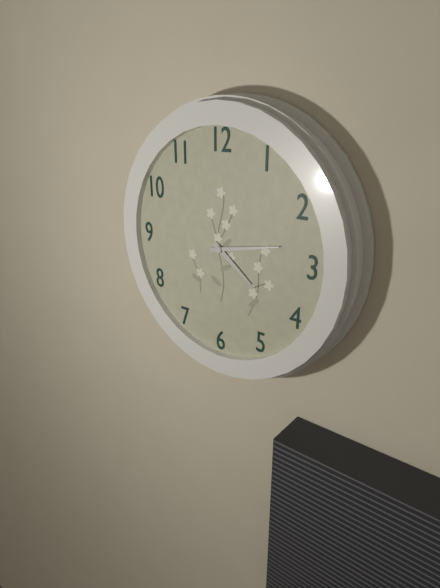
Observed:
4:13
